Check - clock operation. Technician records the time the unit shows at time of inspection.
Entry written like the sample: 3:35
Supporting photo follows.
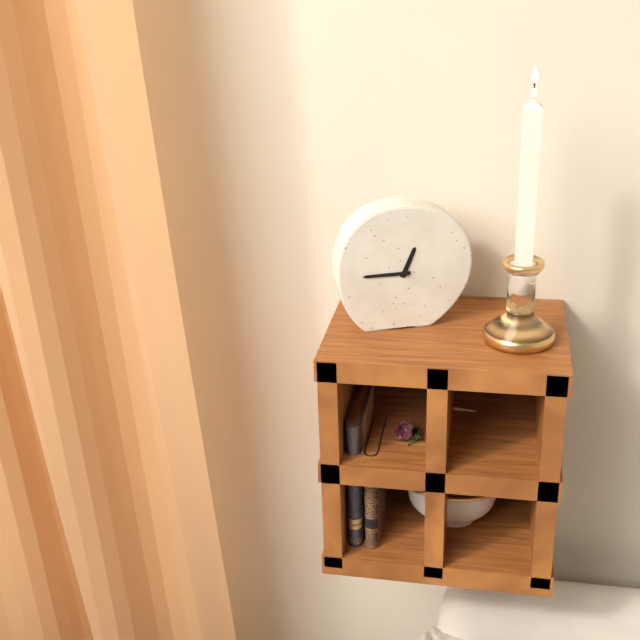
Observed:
12:45
